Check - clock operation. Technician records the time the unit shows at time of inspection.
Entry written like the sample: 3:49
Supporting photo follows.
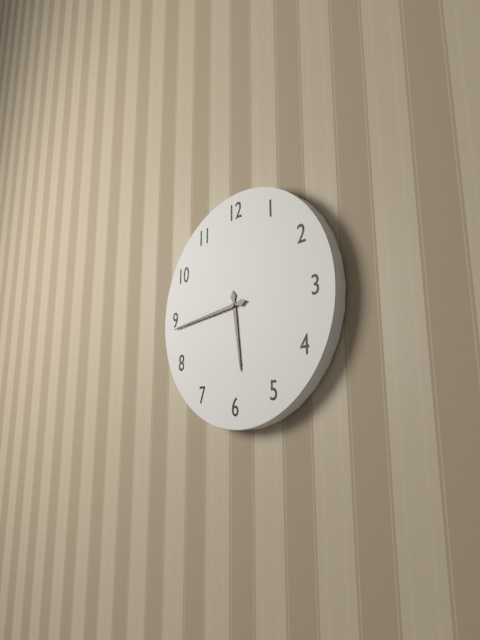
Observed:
5:44
